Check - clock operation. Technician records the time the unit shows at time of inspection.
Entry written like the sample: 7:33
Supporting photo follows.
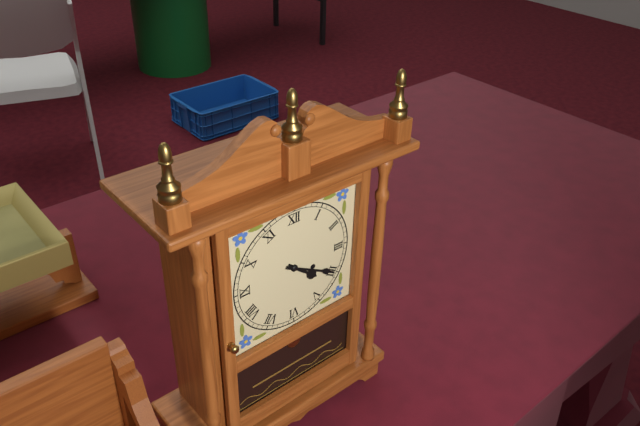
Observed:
4:20
